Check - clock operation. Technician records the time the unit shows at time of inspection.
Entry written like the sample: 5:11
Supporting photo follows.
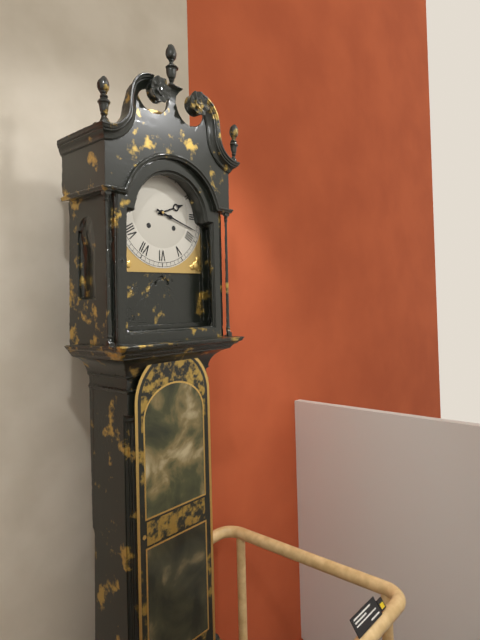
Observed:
2:18
